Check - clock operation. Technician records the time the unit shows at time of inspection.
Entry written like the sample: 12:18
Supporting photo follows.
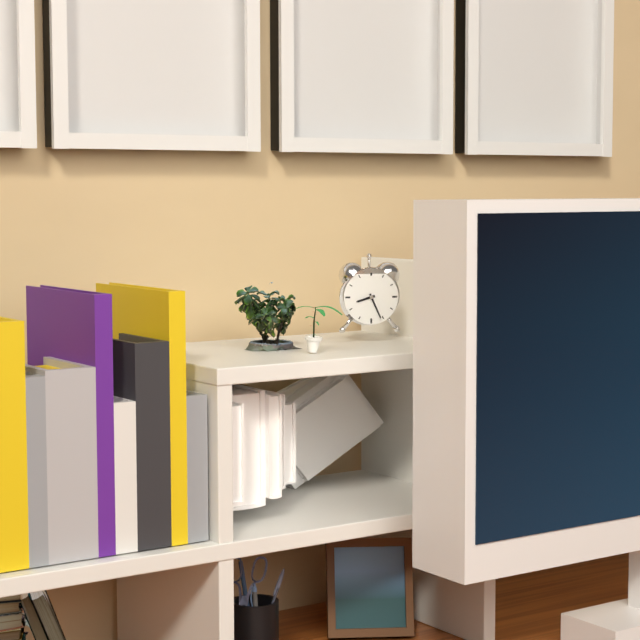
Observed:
8:26
